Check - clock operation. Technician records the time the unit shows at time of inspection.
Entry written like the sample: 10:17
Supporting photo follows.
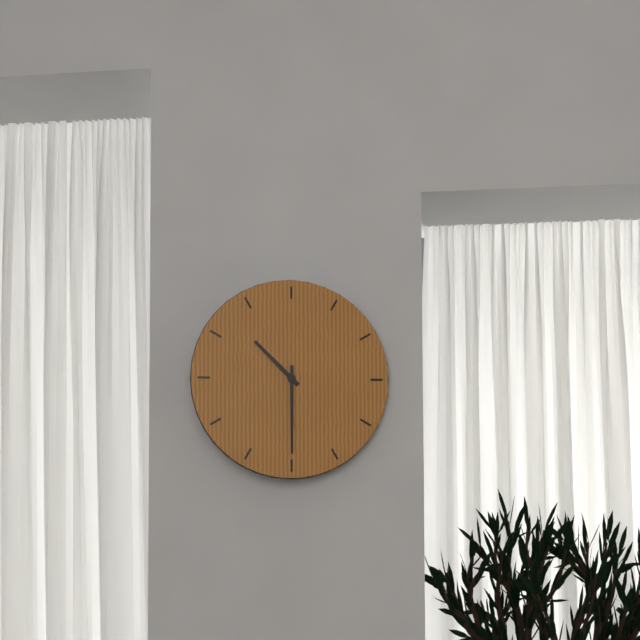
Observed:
10:30
